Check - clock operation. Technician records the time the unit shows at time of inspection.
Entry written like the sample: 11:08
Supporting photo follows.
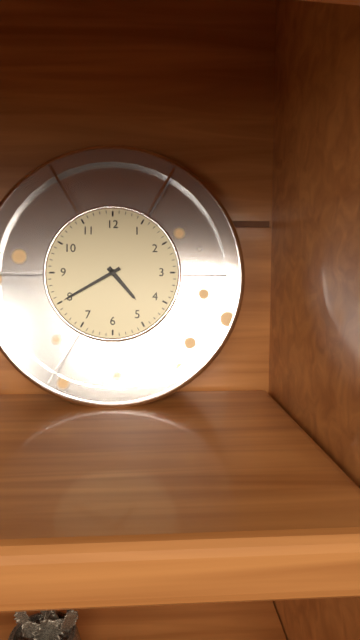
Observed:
4:40
